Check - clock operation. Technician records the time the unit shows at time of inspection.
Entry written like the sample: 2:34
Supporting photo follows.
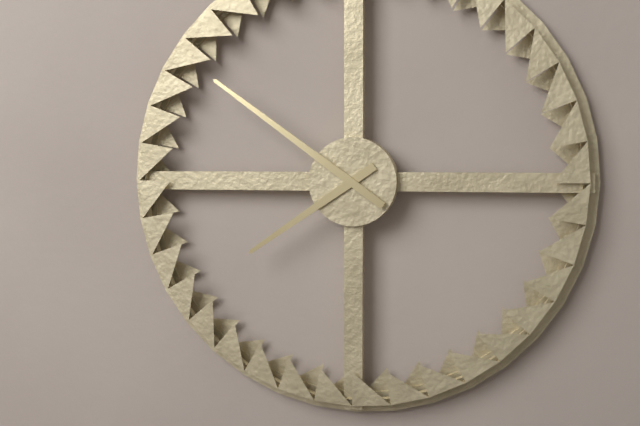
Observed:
7:51
